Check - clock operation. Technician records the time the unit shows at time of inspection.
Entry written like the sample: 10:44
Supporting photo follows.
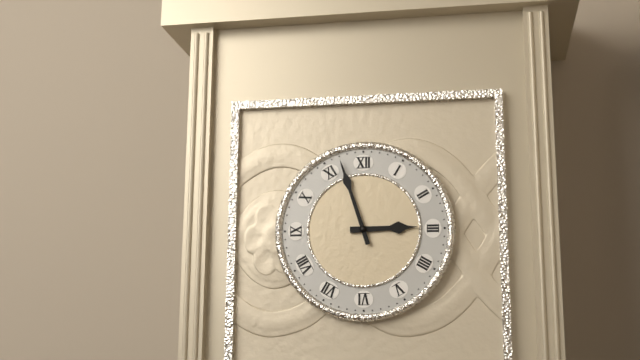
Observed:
2:57
